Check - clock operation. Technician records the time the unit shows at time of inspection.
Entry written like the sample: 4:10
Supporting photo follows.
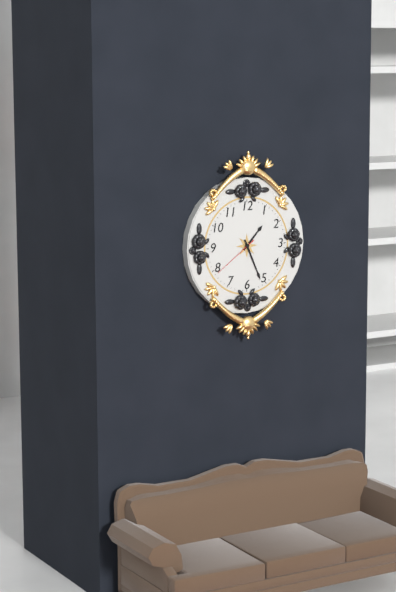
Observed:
1:26
